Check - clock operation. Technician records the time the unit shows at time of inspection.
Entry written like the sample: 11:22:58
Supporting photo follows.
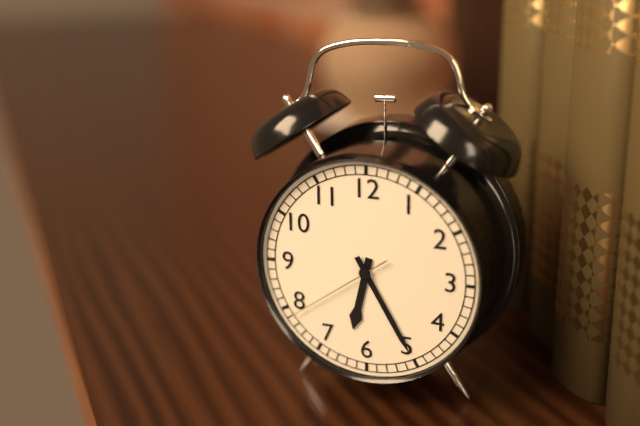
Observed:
6:25:39
